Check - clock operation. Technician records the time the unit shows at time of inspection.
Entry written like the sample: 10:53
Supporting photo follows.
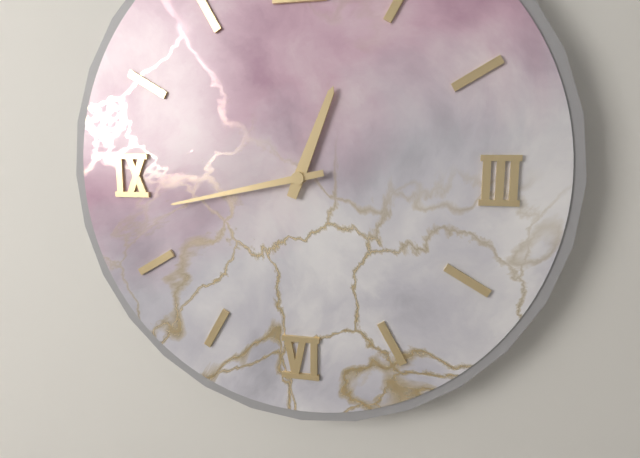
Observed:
12:43
